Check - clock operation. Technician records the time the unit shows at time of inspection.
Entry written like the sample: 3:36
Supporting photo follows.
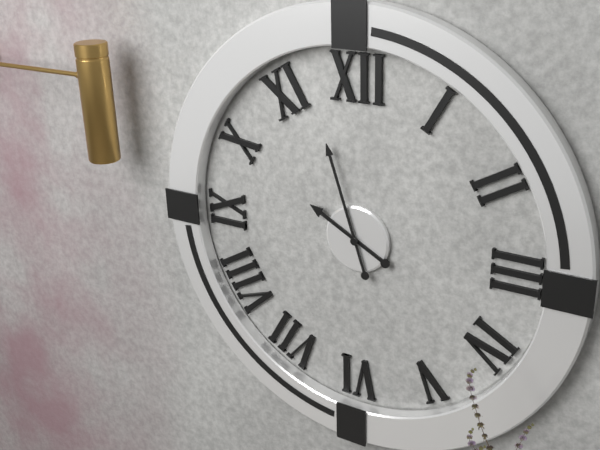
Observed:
9:57
